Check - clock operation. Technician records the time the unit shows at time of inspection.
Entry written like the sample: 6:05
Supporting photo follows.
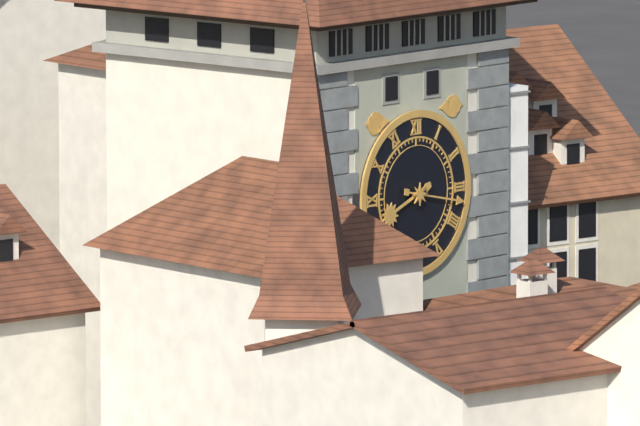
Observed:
8:17
